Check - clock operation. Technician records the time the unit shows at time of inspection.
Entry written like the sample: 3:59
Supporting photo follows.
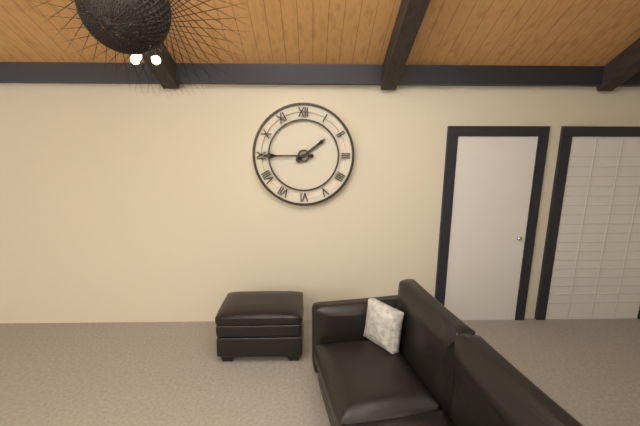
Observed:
1:45
